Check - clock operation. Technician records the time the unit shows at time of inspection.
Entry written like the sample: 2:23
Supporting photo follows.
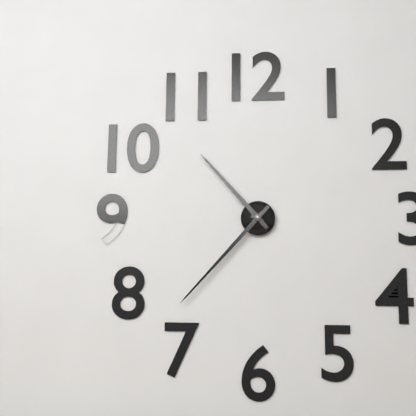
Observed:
10:37
